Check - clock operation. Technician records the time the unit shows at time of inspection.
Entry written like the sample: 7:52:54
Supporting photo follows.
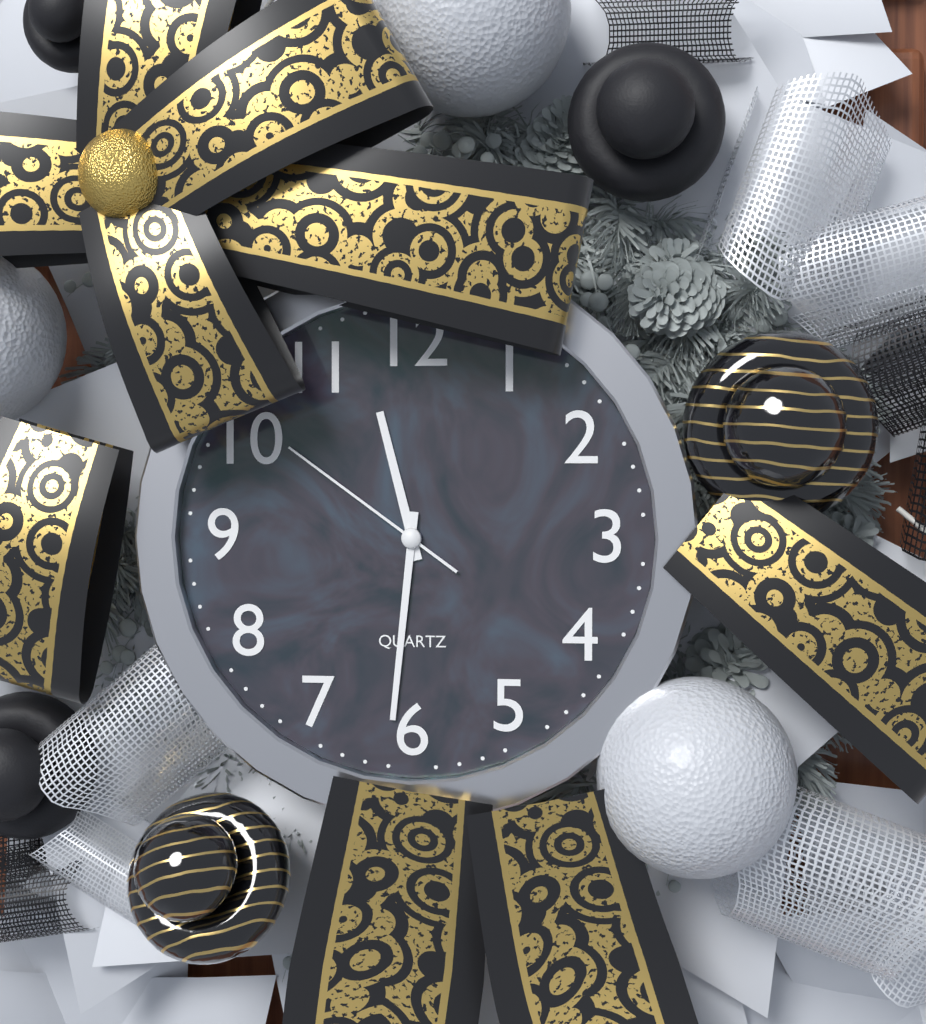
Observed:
11:31:51
